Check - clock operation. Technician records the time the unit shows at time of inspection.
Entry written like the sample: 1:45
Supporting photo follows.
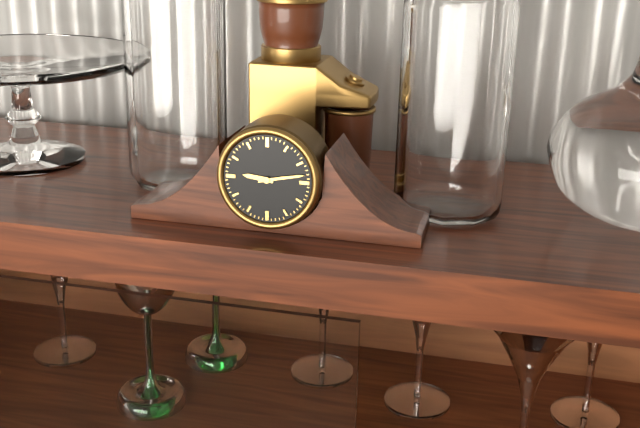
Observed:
9:13
